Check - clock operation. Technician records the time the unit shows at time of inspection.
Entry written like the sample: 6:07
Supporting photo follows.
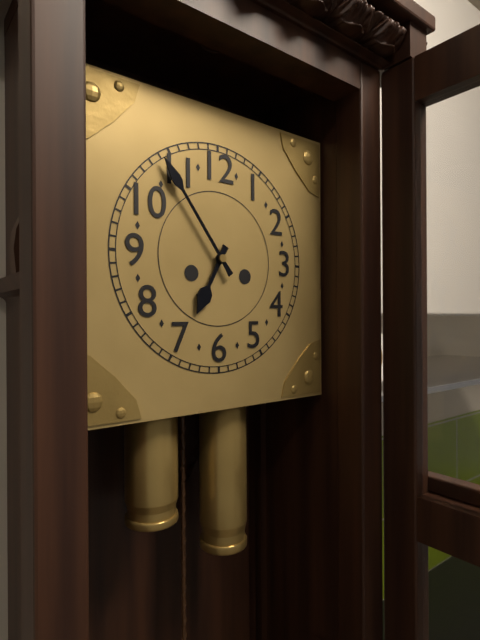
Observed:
6:54
